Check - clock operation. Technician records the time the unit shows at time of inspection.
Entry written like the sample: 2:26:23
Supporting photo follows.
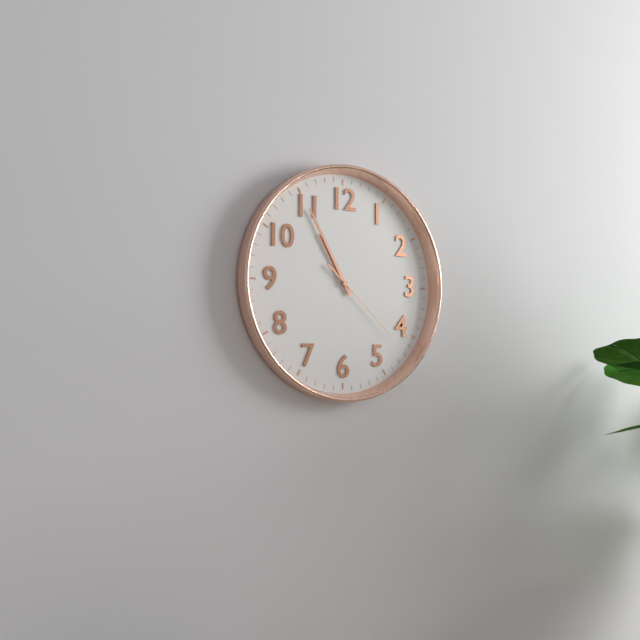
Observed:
10:55:22
